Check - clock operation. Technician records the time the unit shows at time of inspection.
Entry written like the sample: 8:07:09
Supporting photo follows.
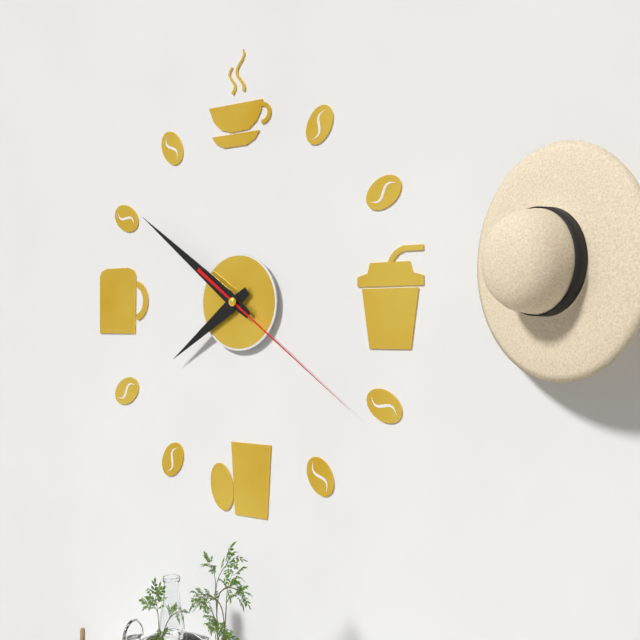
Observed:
7:51:21
